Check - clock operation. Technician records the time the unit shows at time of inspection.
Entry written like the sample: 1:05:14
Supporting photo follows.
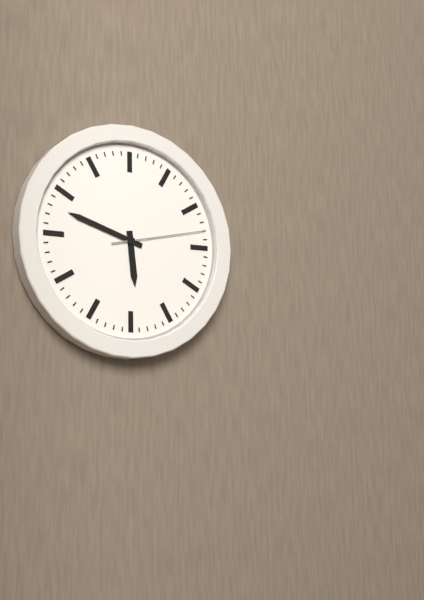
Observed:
5:48:13
